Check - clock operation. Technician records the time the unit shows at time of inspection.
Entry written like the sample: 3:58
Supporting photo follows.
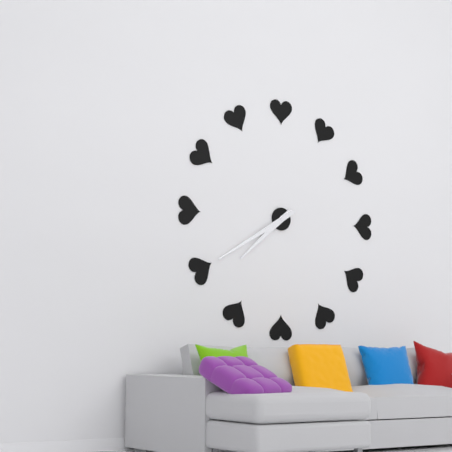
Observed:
7:40
